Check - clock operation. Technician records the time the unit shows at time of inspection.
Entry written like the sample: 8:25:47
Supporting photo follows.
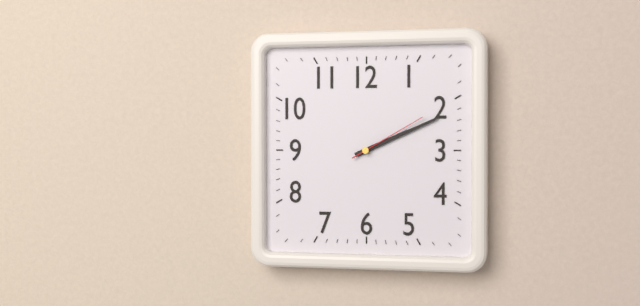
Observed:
2:11:10
